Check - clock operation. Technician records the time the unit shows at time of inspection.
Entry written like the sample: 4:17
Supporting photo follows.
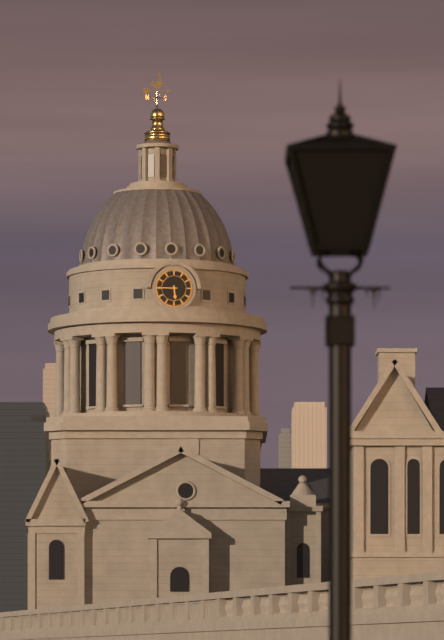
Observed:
5:45
